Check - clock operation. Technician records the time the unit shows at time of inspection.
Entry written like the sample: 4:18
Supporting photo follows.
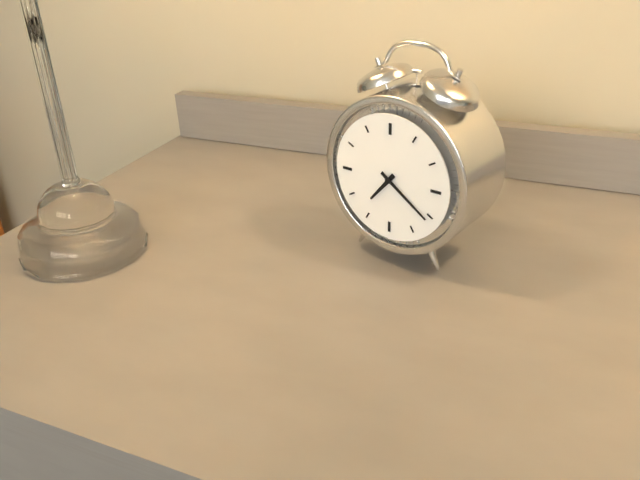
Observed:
7:21
